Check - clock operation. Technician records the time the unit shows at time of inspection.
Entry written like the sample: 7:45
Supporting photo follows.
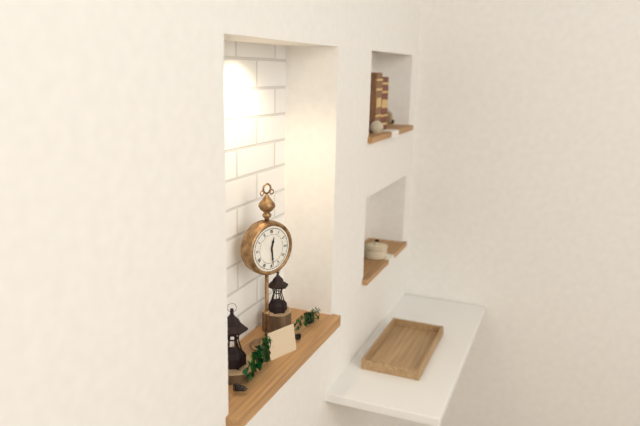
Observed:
12:29
